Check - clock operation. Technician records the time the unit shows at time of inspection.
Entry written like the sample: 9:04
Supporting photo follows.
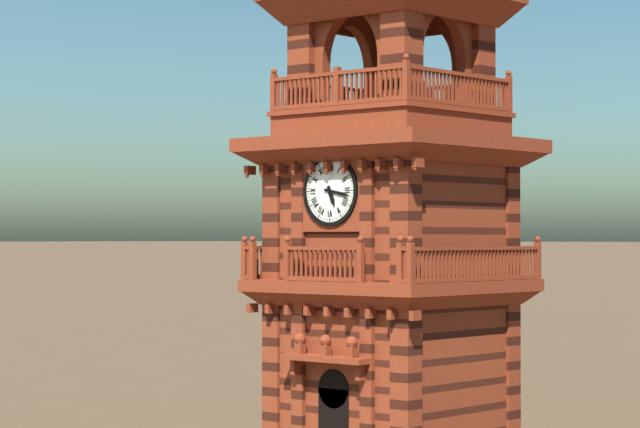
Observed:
5:17
